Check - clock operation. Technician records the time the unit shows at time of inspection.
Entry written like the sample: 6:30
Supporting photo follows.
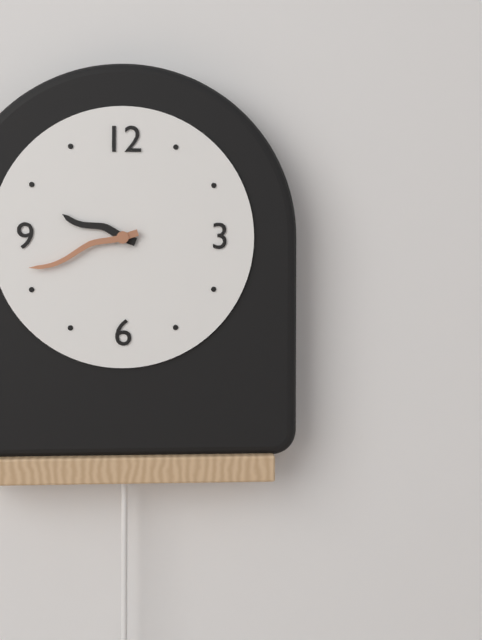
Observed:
9:42
